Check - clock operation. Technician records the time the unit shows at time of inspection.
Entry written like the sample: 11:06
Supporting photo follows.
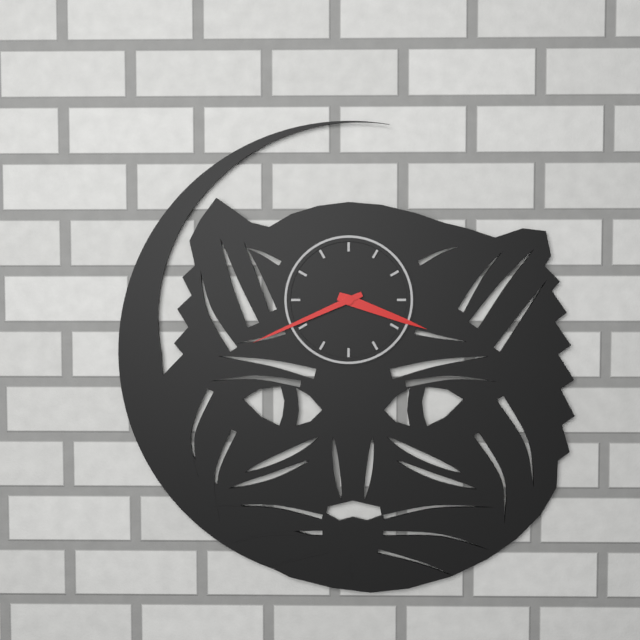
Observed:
3:41
